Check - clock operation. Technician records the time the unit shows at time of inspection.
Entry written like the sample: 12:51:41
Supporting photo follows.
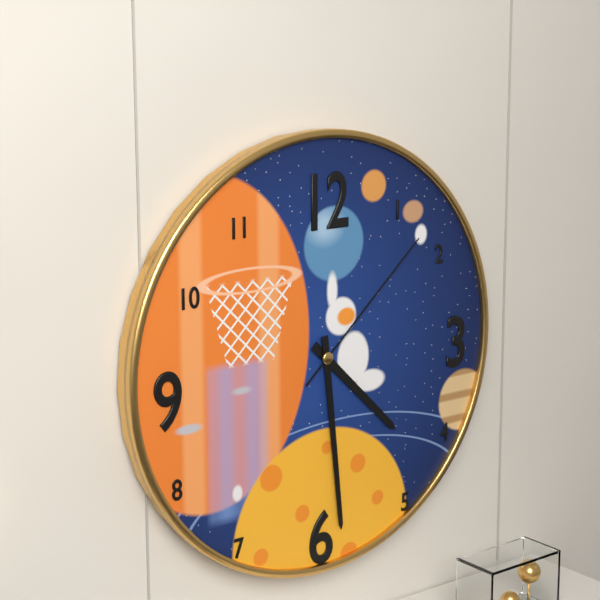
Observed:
4:29:08
